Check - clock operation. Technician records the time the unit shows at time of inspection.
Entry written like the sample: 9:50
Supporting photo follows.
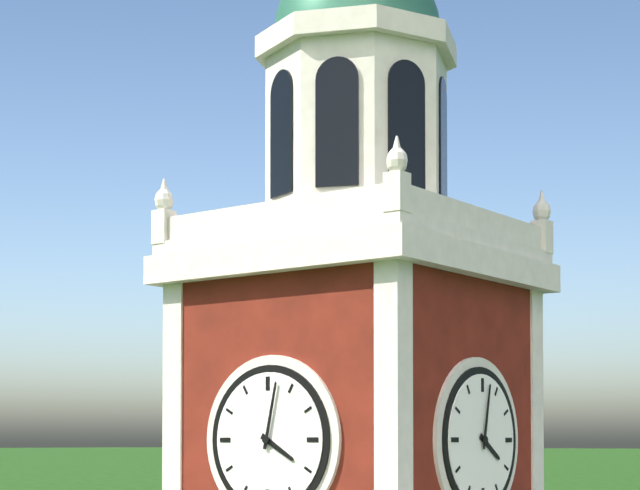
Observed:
4:02
